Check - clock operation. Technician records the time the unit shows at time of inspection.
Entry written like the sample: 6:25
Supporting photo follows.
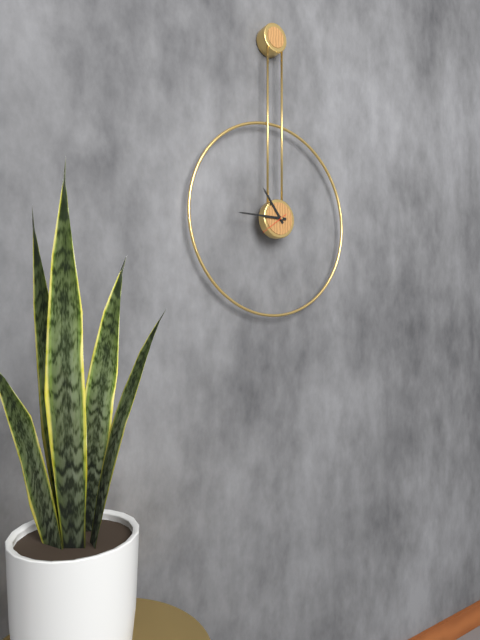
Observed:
10:45
